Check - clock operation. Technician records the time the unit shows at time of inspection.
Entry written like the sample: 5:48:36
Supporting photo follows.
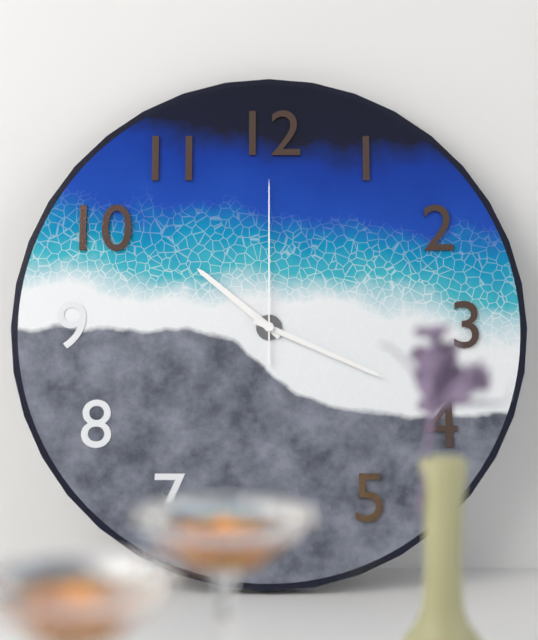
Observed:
10:19:00
